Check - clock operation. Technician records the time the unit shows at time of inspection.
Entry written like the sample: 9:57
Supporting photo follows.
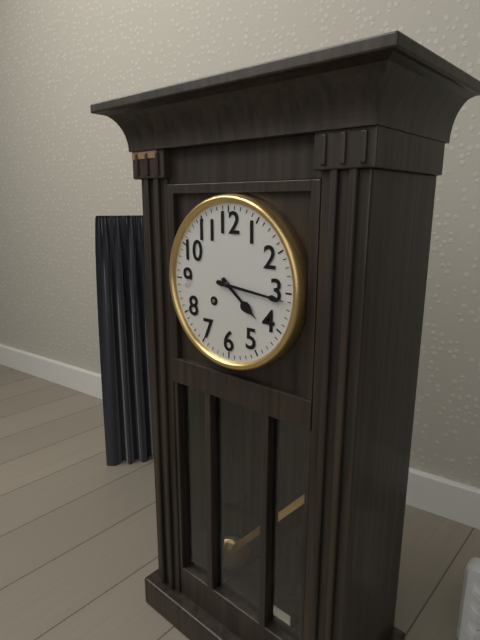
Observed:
4:16
